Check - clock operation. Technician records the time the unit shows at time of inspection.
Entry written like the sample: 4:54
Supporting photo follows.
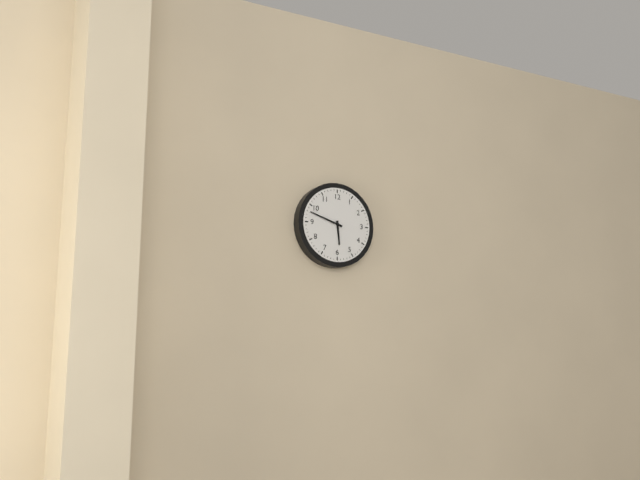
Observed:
5:48
